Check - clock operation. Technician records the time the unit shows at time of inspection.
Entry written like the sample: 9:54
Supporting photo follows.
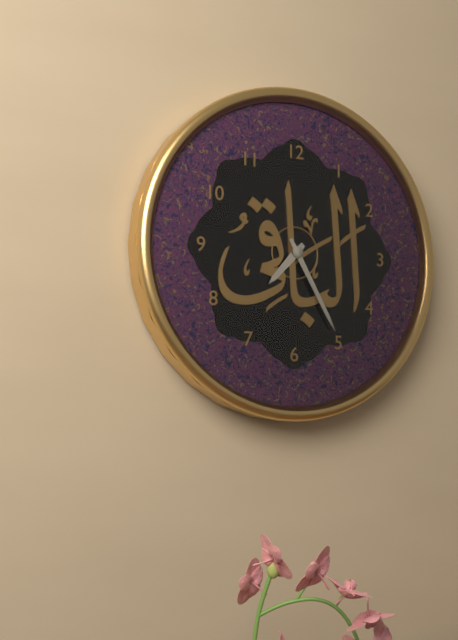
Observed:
7:25
